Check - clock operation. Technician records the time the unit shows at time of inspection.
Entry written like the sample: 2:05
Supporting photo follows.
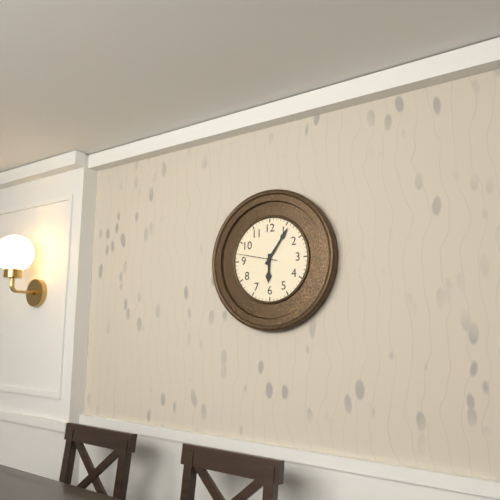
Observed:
6:06
